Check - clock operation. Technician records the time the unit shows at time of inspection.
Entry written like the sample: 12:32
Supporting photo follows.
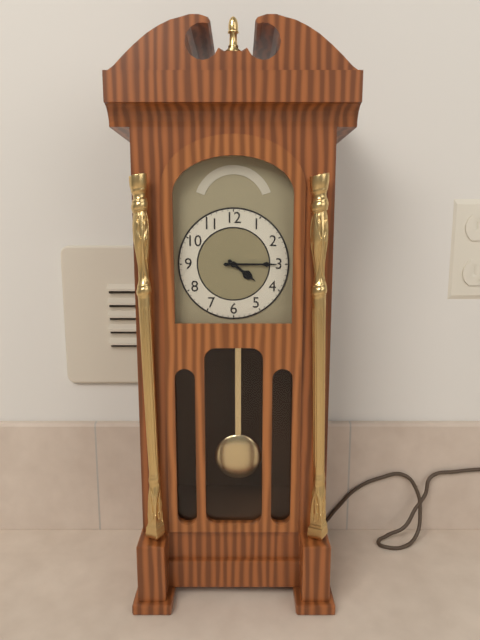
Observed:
4:15
